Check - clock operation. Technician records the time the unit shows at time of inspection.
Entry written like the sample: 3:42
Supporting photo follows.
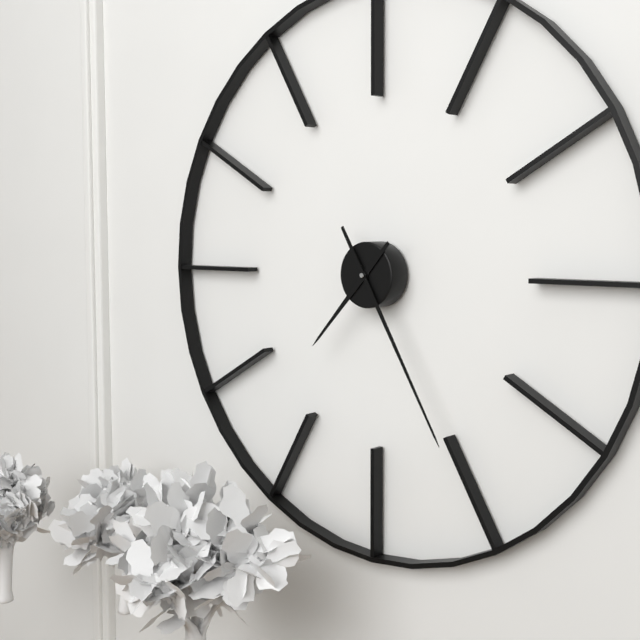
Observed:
7:25
